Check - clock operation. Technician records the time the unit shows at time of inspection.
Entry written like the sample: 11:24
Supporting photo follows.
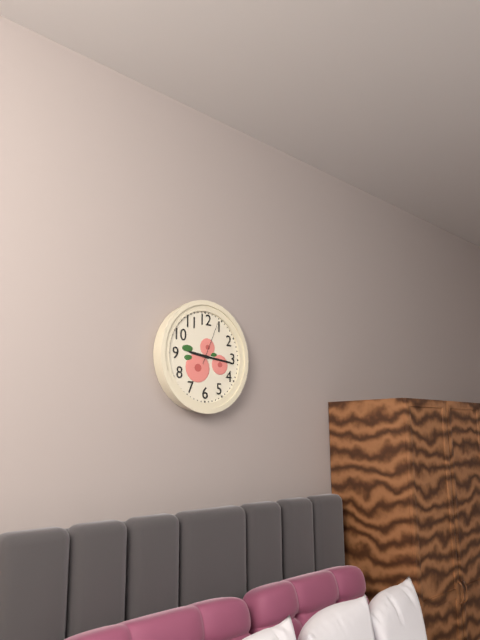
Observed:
9:16
